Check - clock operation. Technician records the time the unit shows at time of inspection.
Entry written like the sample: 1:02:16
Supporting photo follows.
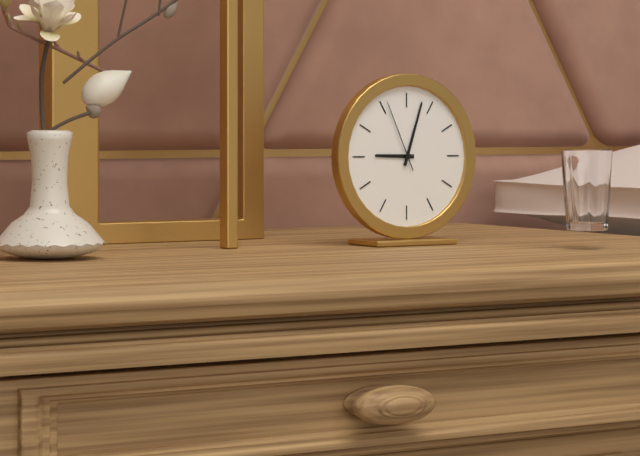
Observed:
9:03:56
